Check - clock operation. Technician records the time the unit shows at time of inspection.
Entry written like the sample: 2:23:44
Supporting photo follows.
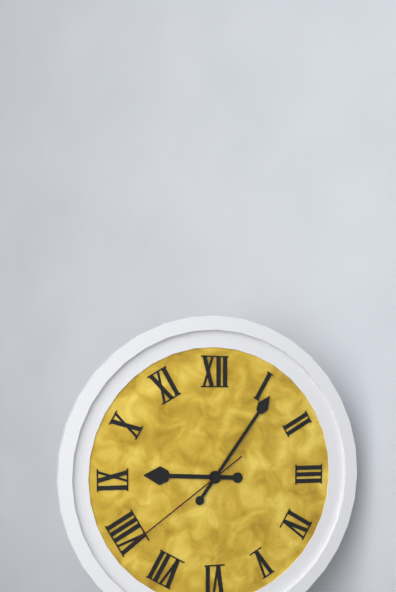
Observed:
9:06:39
